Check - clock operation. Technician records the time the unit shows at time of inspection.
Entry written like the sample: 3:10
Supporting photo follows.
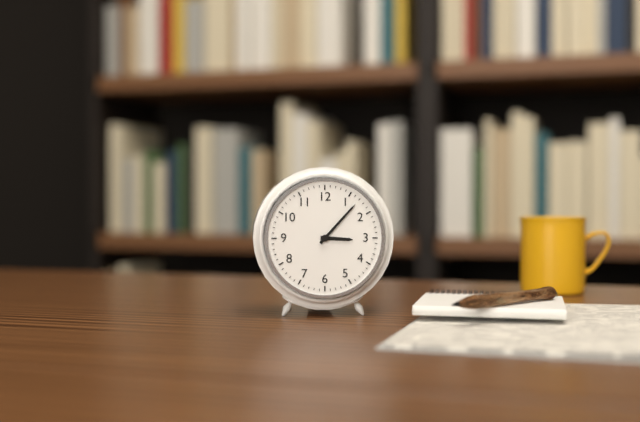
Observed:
3:07
